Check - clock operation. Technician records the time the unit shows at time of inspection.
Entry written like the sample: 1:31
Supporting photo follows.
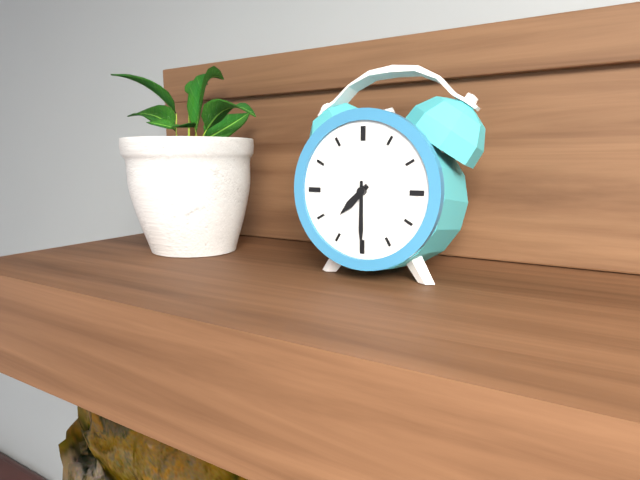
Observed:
7:30
